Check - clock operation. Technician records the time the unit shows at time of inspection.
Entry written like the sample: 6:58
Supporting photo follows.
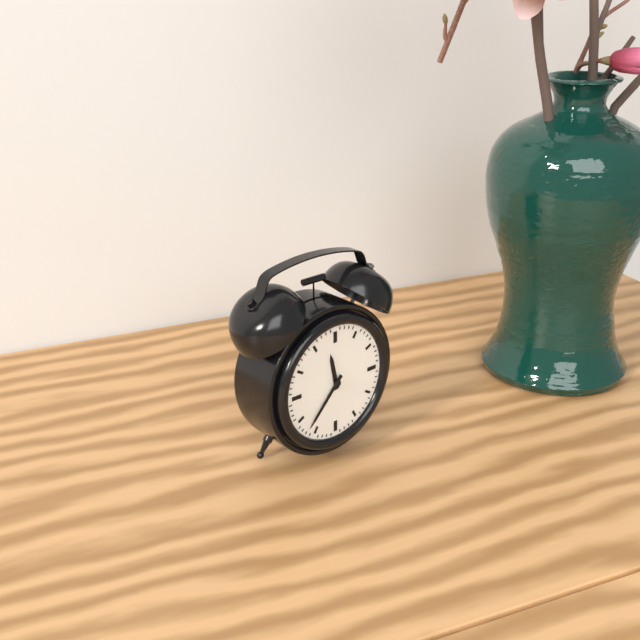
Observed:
11:37
